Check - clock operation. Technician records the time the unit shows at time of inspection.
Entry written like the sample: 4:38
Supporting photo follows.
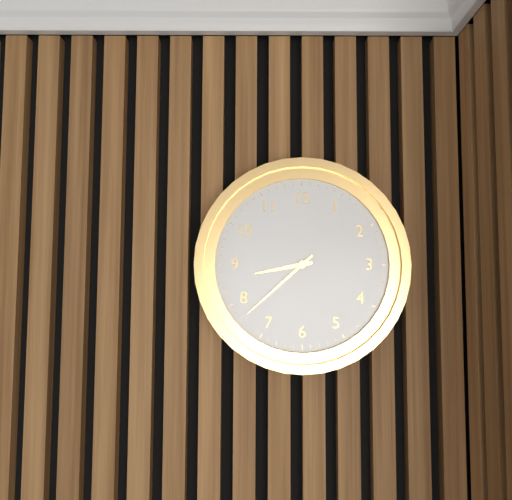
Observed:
8:38
